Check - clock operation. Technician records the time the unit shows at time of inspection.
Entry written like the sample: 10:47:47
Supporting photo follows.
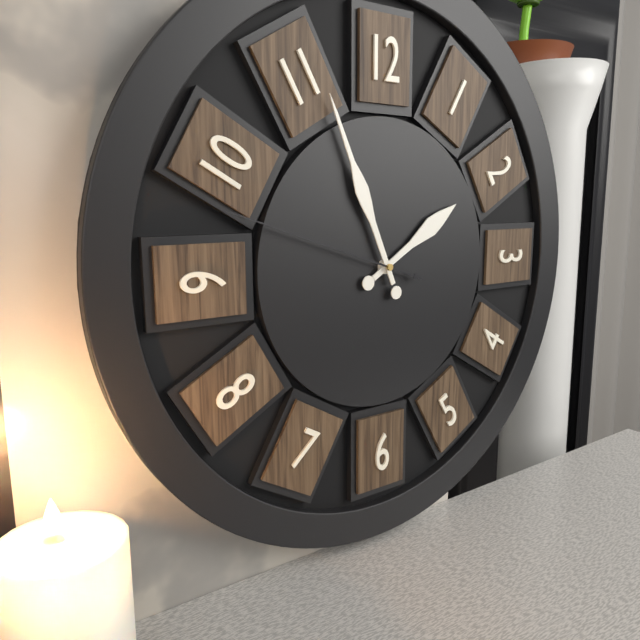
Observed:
1:56:48
